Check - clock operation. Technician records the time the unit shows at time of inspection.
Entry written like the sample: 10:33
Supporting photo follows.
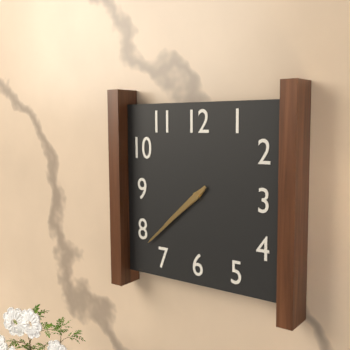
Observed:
7:38
